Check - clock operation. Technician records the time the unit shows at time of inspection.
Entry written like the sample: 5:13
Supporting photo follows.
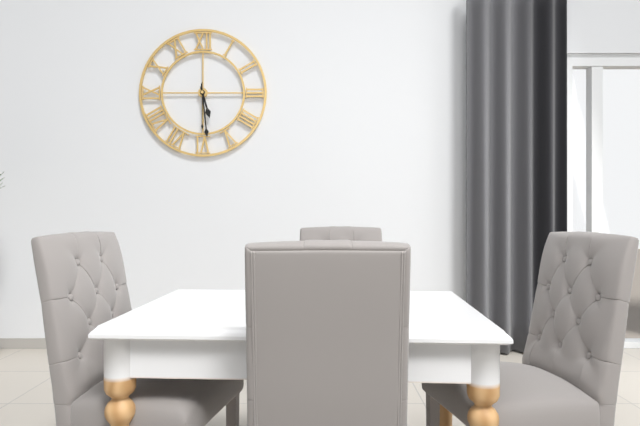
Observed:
5:29
